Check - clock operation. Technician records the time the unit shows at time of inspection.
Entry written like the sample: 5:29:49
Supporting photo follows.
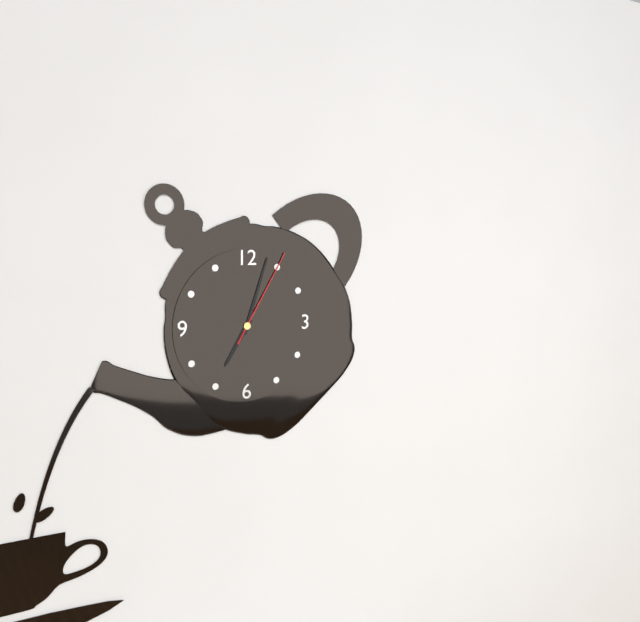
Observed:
7:03:05
